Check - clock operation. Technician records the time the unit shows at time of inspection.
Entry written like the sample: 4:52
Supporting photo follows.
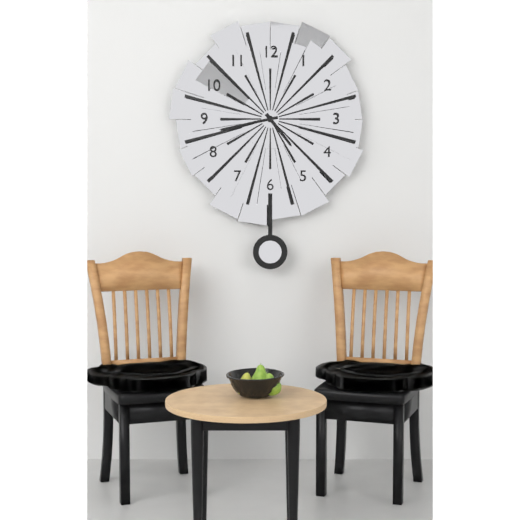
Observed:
4:43
